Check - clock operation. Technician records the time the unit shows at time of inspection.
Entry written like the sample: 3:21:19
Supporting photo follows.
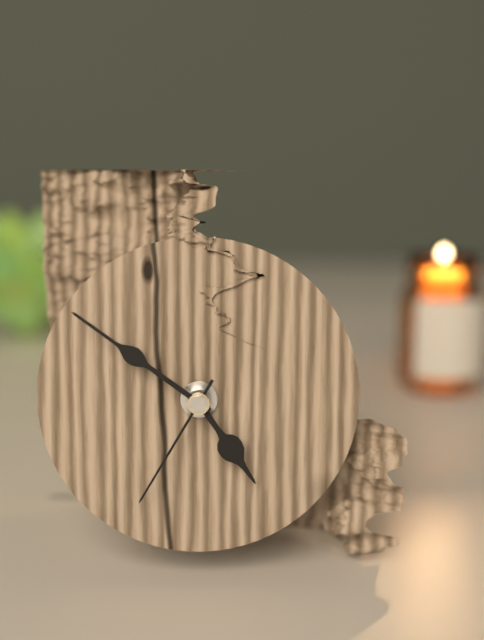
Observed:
4:51:35
